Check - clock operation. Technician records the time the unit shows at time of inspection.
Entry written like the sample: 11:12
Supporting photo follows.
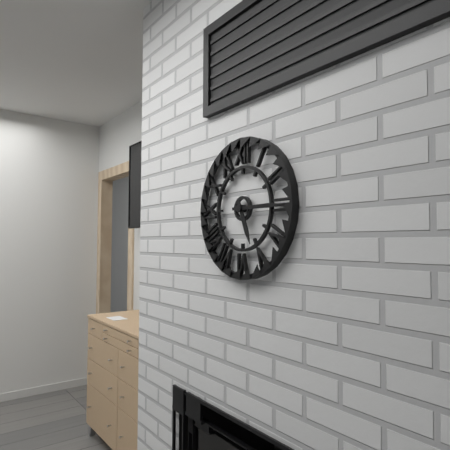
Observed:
5:15
